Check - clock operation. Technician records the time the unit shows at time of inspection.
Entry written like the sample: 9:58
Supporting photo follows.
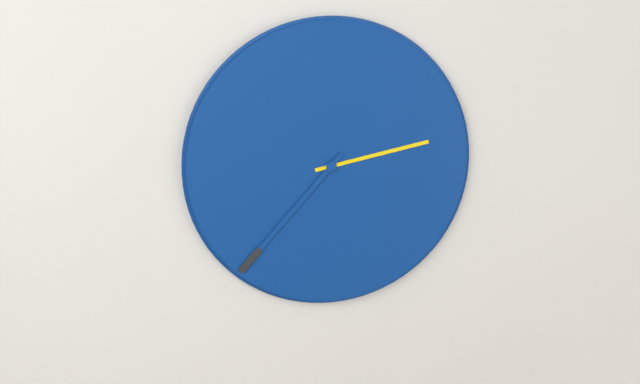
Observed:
2:37
